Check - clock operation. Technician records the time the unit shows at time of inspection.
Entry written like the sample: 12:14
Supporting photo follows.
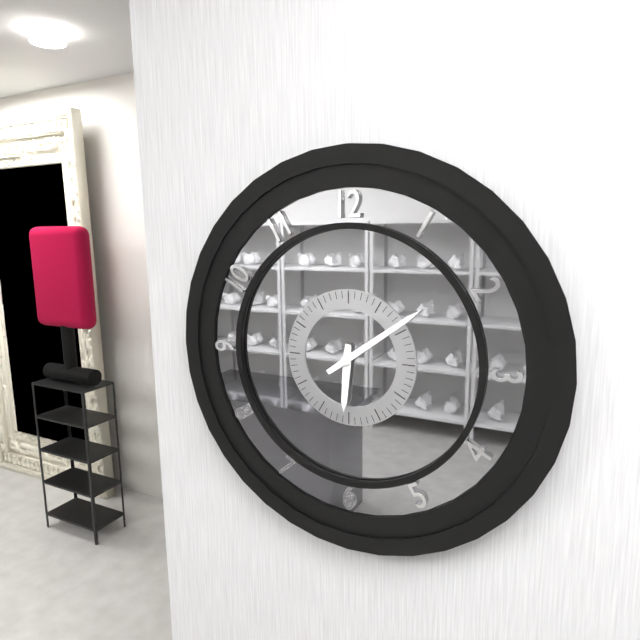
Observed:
6:09
